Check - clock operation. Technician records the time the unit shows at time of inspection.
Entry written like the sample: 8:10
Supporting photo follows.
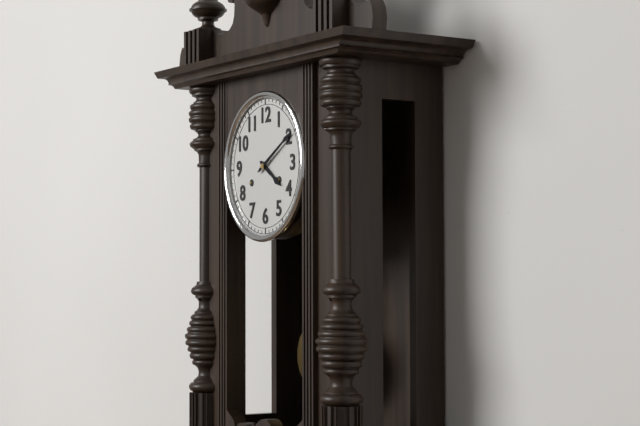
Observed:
4:10
